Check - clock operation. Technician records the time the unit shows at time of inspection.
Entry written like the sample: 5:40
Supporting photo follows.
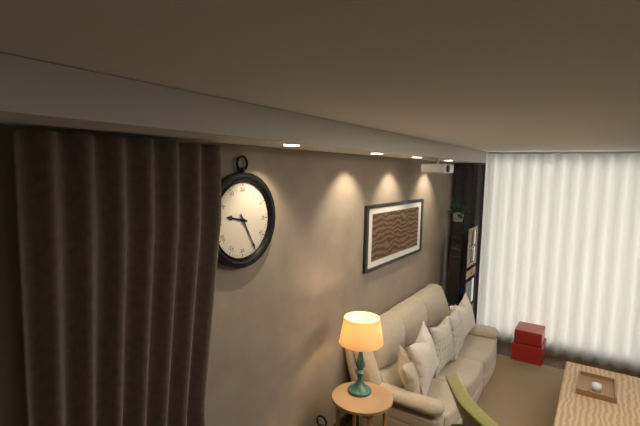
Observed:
9:25
